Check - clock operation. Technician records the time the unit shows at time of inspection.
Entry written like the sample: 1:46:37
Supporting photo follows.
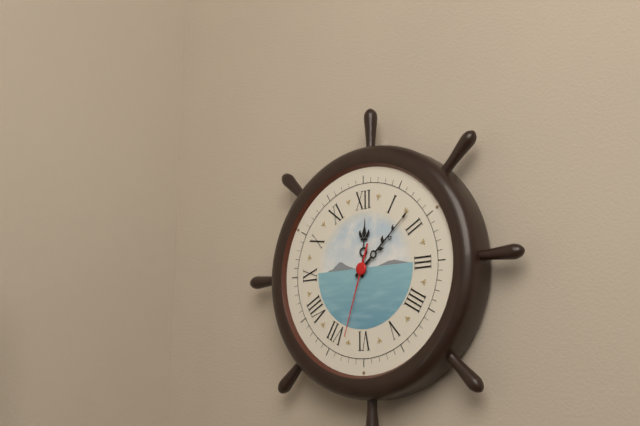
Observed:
12:08:33
